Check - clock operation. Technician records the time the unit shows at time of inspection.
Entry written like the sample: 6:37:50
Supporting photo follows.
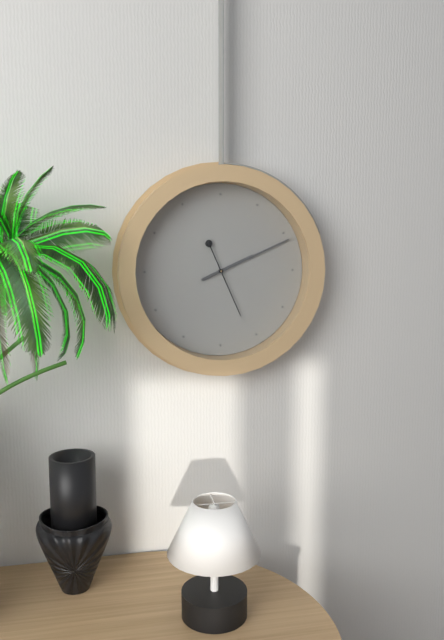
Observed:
2:11:26
